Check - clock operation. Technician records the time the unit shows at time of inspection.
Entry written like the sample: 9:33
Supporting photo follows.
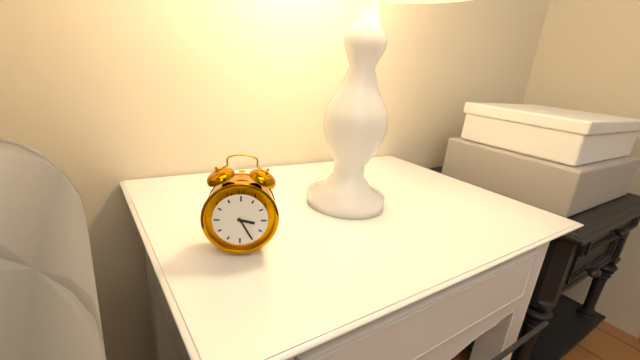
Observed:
3:25
